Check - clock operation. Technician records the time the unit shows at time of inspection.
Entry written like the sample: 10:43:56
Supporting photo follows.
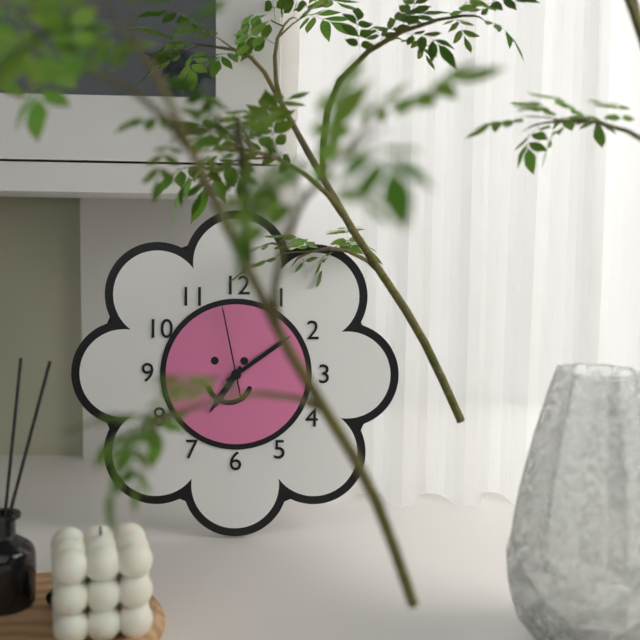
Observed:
7:09:58
